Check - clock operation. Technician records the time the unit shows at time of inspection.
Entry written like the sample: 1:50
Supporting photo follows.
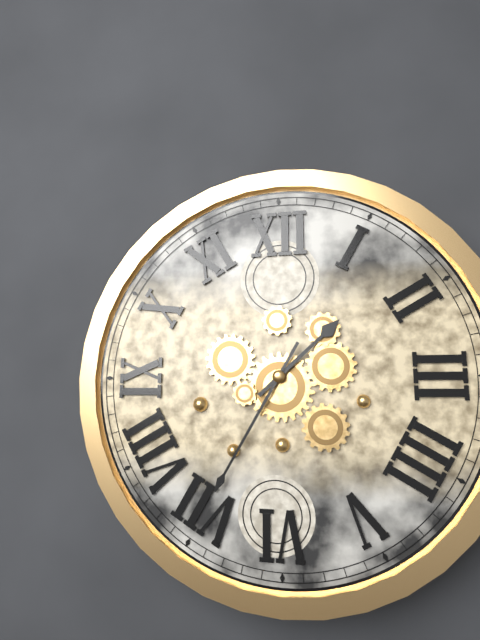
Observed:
1:35
